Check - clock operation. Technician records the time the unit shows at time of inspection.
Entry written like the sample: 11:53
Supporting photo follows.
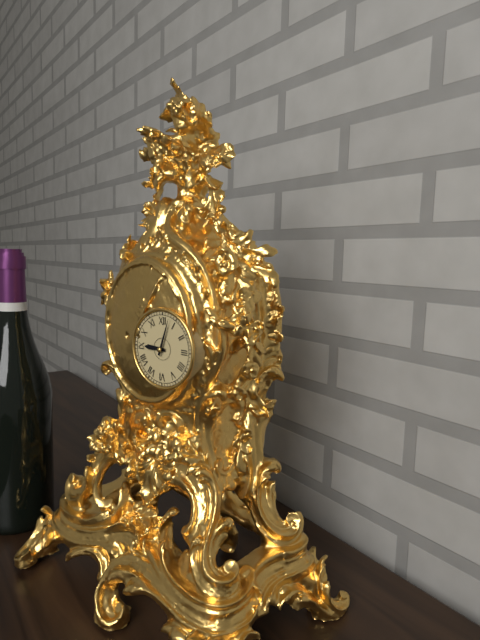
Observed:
9:03
